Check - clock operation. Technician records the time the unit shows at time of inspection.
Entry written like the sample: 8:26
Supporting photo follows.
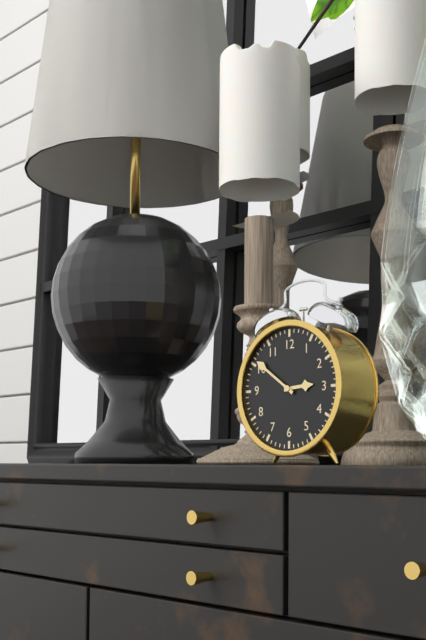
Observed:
2:51
